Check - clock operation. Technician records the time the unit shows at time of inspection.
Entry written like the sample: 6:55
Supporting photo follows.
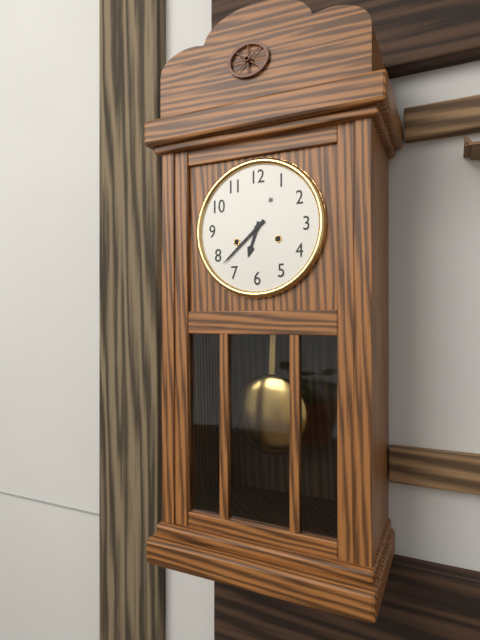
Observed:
6:38
